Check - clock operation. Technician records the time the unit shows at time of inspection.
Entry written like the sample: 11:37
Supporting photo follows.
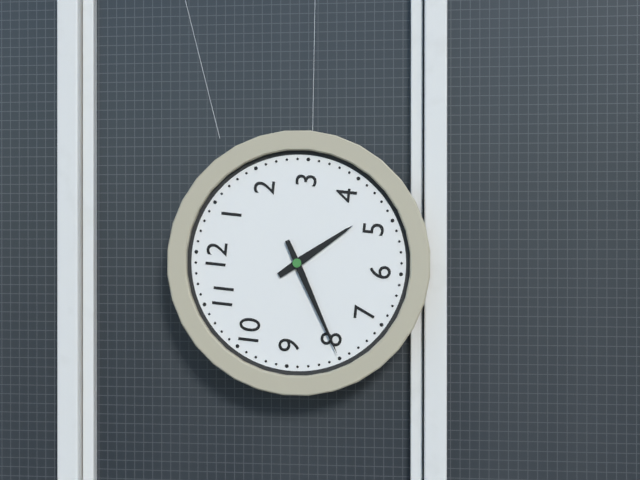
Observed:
4:40
